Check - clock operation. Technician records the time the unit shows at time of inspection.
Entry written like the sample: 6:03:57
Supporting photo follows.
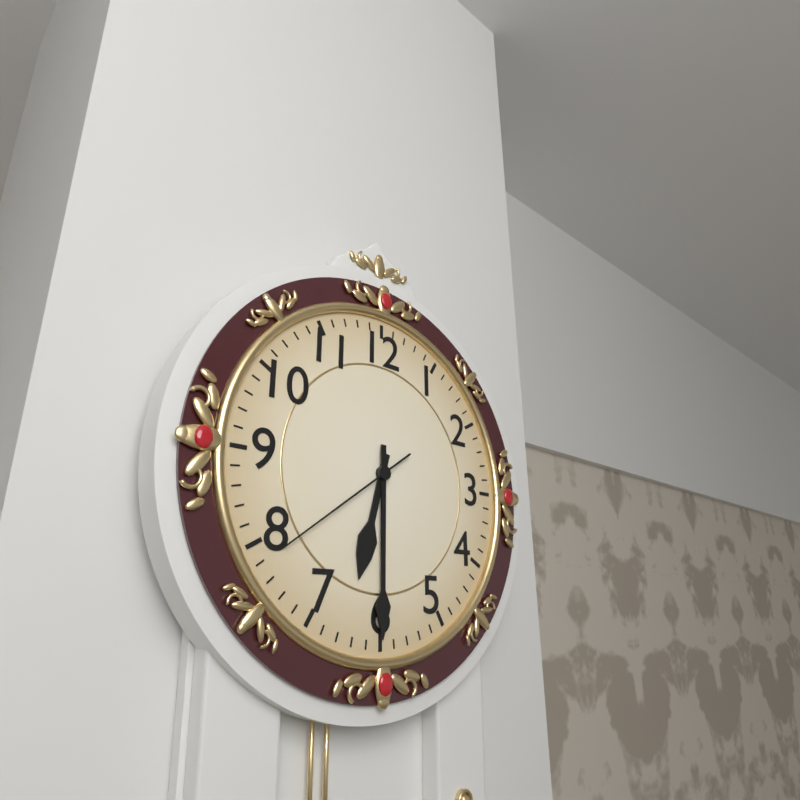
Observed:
6:30:39
